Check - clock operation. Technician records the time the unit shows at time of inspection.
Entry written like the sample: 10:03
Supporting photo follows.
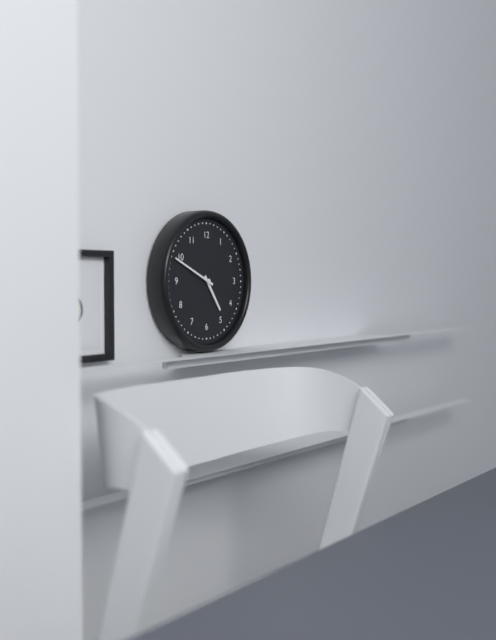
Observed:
4:49
